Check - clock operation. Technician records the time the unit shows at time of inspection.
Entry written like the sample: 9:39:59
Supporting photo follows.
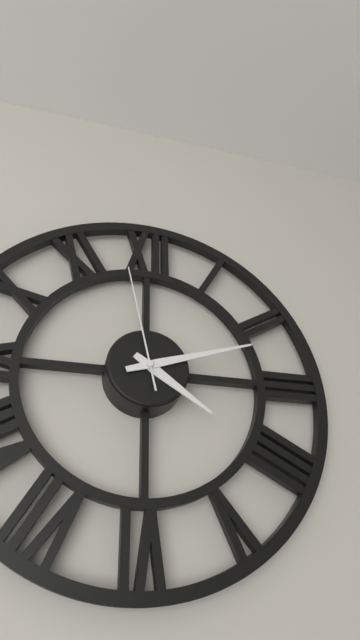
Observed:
4:12:58
